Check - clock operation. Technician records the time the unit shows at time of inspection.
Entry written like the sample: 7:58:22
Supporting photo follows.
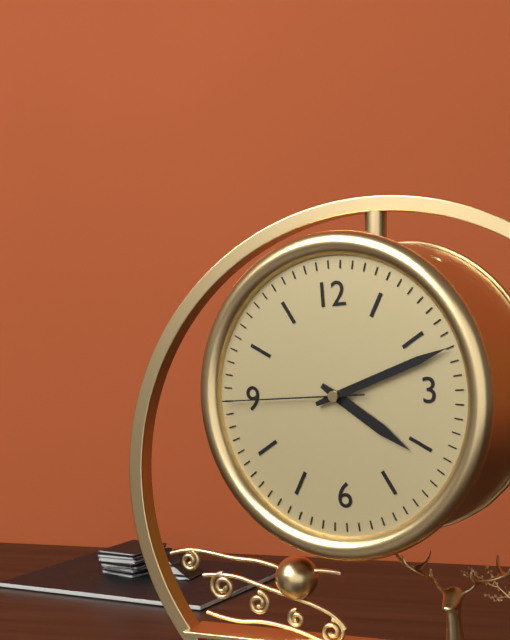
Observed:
4:12:45
